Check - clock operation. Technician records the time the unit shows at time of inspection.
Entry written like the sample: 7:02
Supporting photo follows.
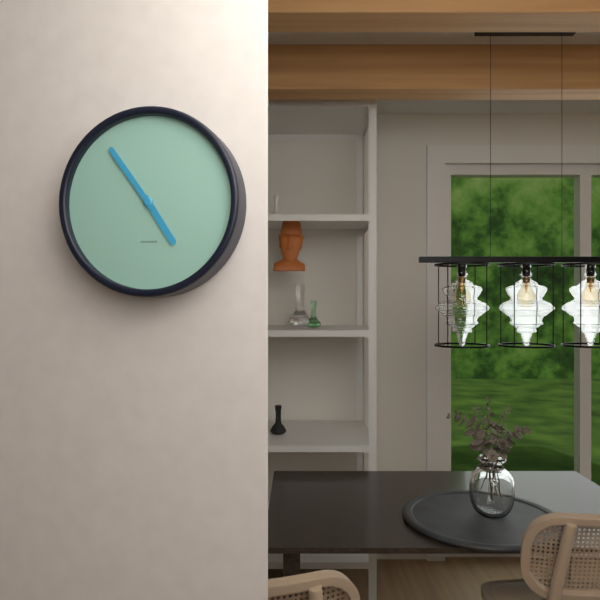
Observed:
4:54
